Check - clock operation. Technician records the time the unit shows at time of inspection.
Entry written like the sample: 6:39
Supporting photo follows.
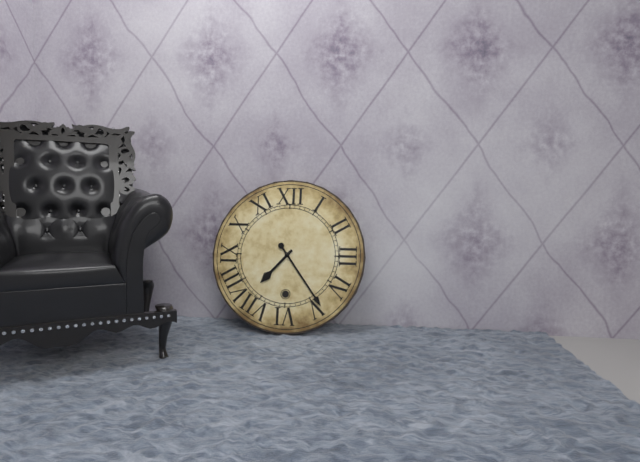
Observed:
7:24
